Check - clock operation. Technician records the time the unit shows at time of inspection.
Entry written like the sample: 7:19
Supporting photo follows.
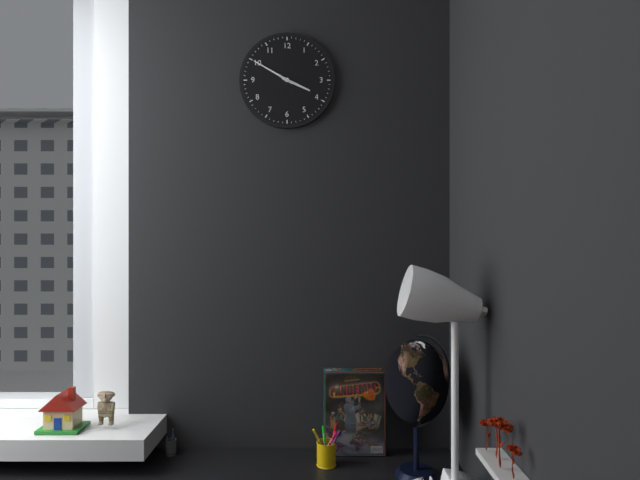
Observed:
3:50
